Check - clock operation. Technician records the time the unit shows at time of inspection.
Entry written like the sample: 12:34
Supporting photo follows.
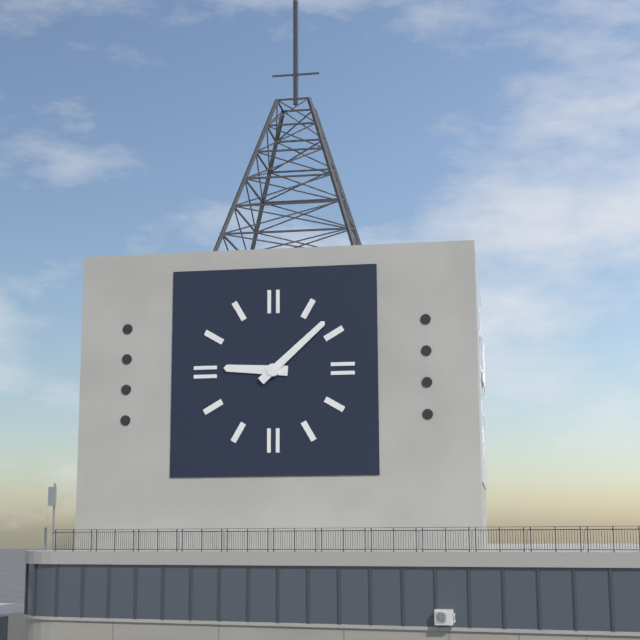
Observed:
9:08
